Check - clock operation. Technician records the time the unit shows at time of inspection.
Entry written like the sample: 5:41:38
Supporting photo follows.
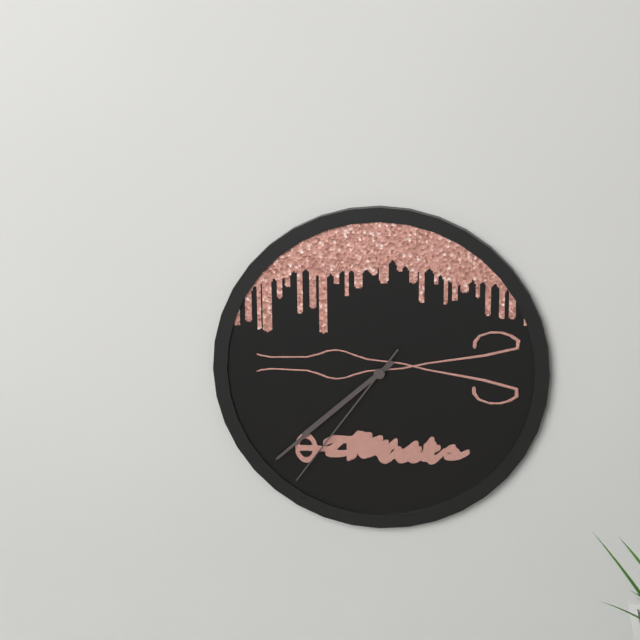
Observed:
7:38:36
